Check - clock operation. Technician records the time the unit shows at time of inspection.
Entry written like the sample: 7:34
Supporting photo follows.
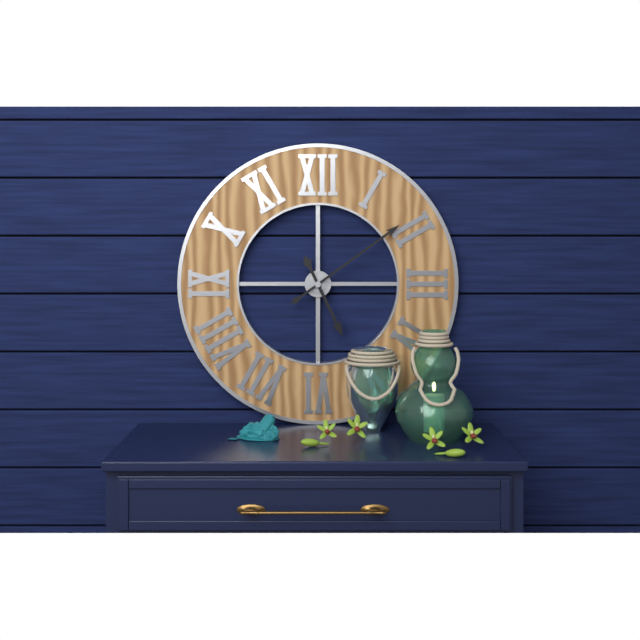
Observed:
5:09
